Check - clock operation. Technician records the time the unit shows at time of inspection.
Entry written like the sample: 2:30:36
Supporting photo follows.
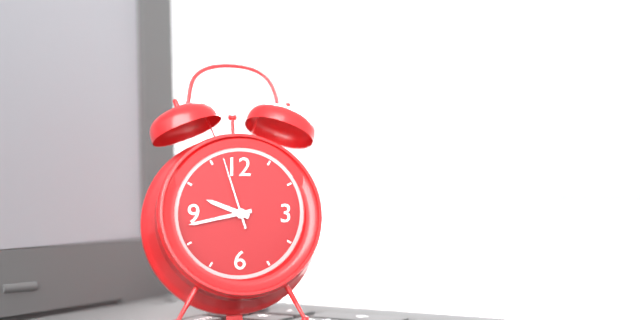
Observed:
9:43:57
